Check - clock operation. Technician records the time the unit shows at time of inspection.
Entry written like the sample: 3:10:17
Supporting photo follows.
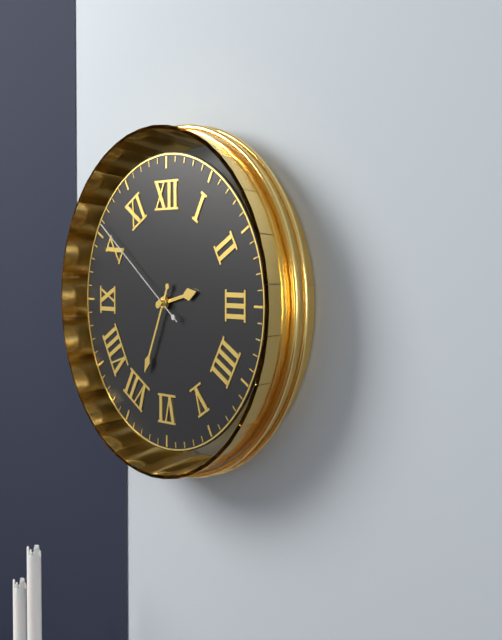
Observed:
2:34:51
